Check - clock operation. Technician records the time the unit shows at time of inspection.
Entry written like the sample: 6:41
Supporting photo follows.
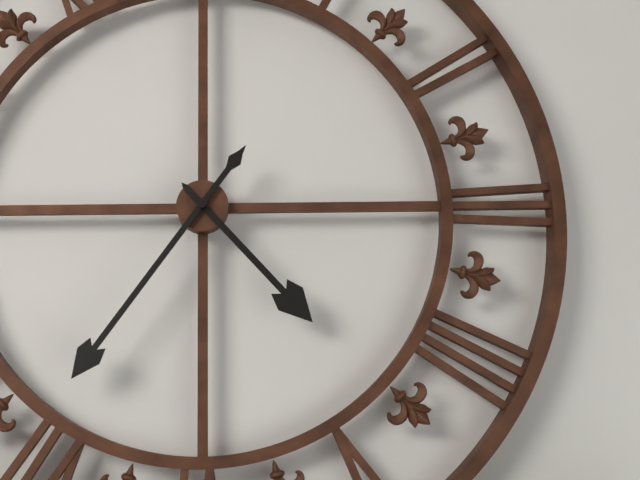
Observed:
4:36
